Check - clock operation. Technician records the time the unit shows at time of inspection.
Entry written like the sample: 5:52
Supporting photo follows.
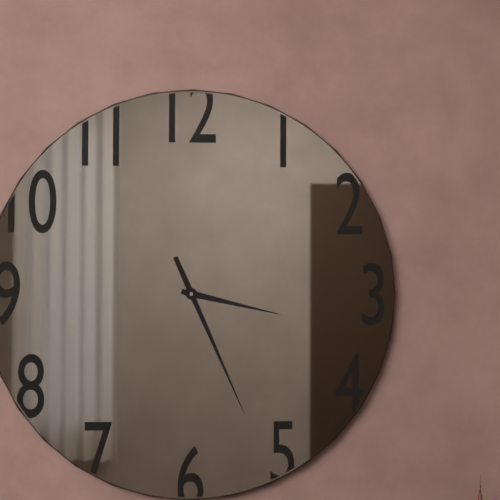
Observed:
3:26
